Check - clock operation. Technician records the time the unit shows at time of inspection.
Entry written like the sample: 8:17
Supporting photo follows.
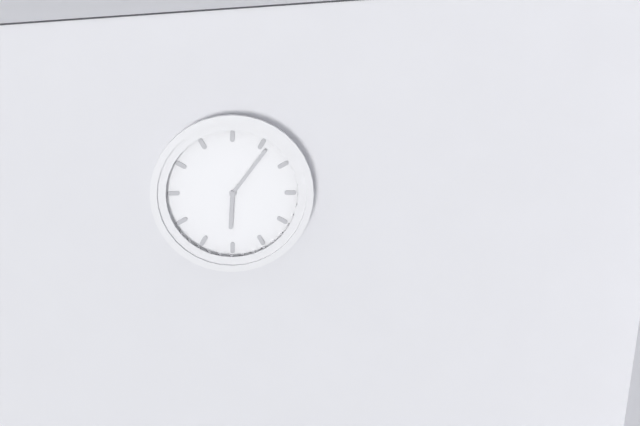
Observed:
6:06
